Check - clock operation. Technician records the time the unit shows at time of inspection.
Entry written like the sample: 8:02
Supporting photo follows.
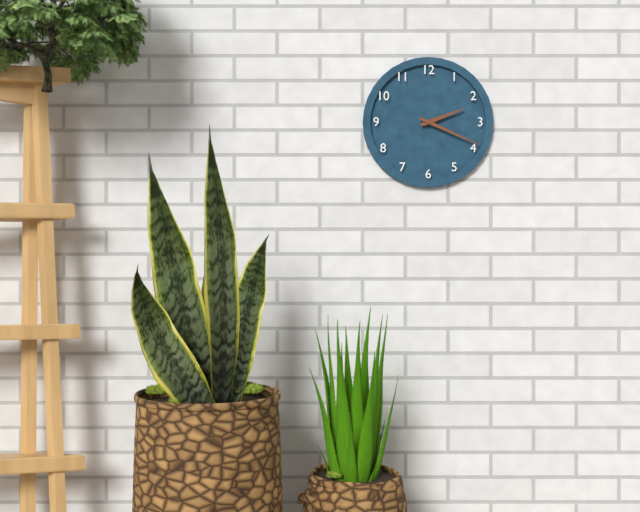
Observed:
2:19
